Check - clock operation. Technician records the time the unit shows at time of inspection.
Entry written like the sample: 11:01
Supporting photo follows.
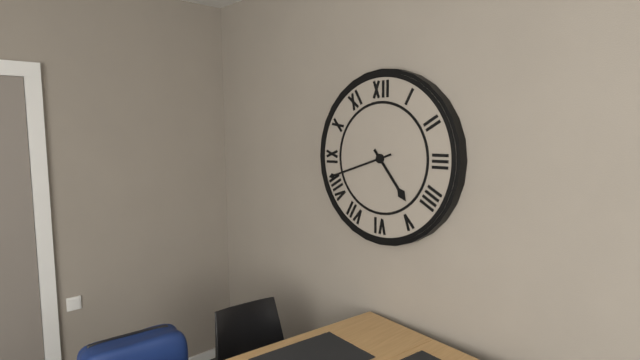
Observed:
4:42
